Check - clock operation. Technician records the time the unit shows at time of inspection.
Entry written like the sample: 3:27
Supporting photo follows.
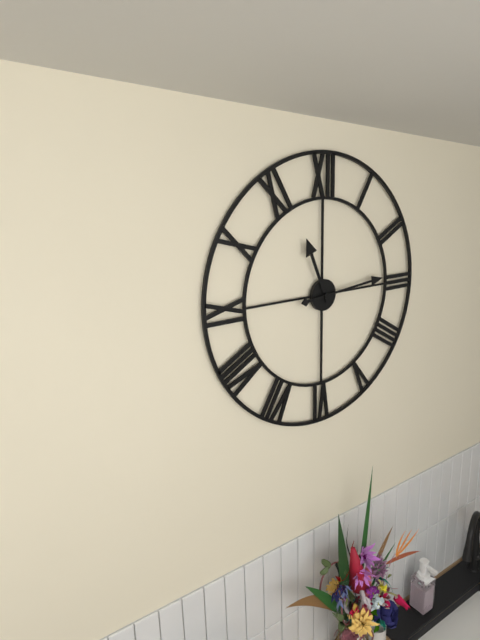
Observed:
11:14
